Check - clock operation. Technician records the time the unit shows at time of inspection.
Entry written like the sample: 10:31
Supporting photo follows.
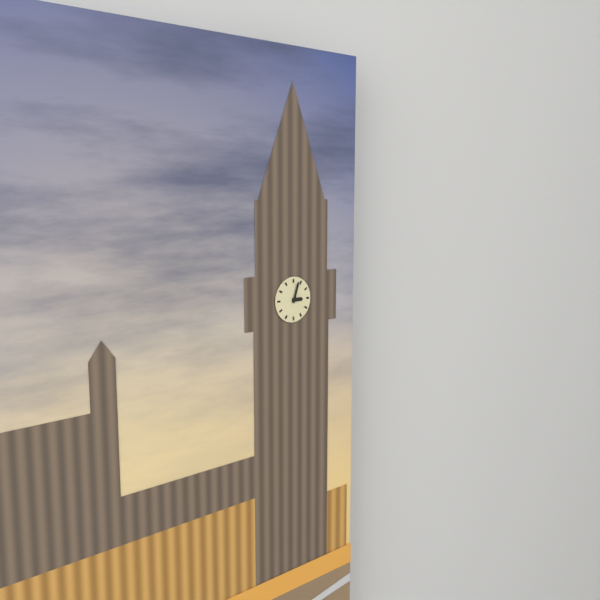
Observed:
3:03
